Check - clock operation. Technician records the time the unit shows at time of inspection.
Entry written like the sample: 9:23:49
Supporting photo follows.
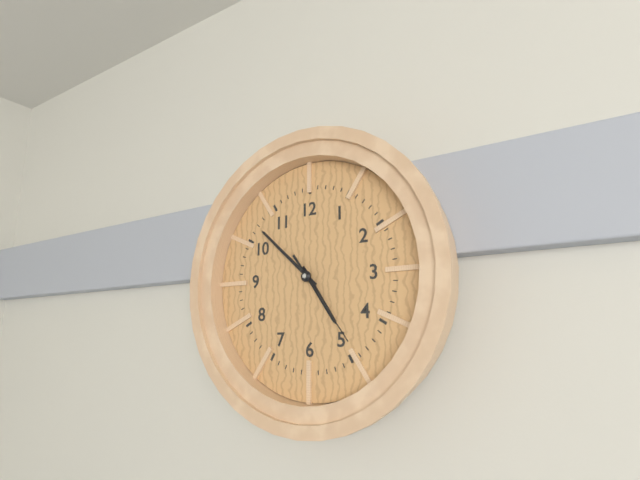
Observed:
4:52:24
